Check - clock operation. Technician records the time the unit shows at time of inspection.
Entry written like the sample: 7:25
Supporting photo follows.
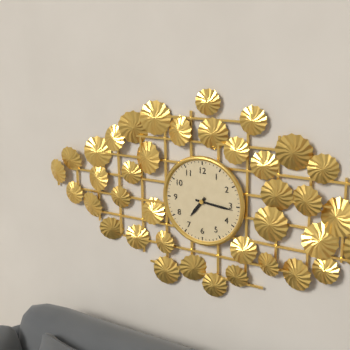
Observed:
7:16
